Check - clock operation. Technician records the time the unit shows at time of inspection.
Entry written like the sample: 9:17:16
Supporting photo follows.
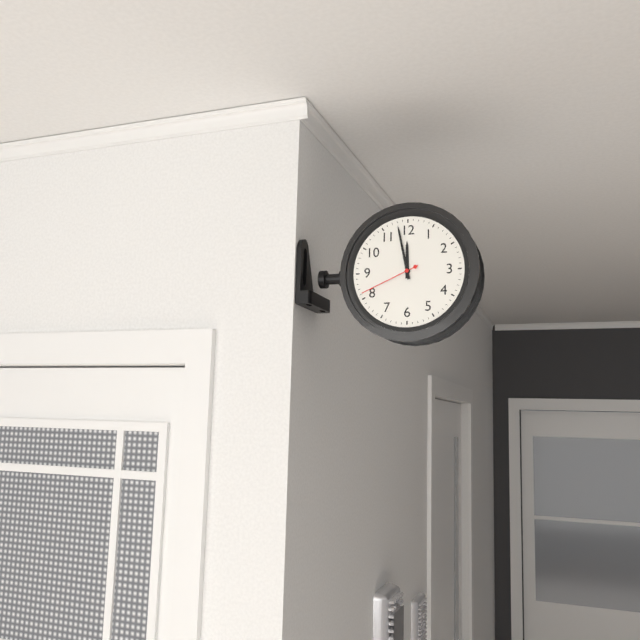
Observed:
11:58:41
